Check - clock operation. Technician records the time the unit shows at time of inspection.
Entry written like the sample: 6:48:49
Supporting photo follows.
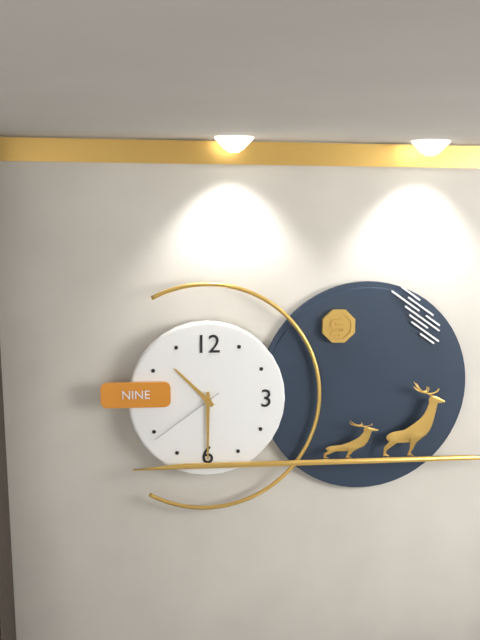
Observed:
10:30:39
